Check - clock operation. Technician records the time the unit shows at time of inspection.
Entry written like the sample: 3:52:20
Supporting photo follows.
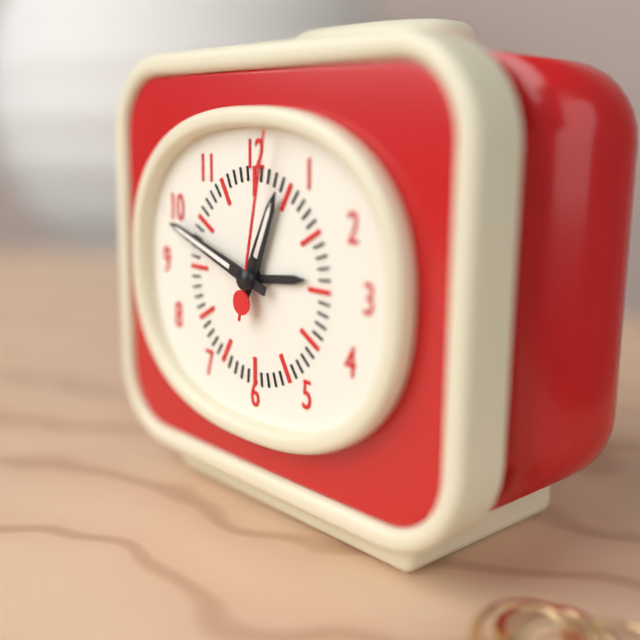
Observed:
12:48:02
